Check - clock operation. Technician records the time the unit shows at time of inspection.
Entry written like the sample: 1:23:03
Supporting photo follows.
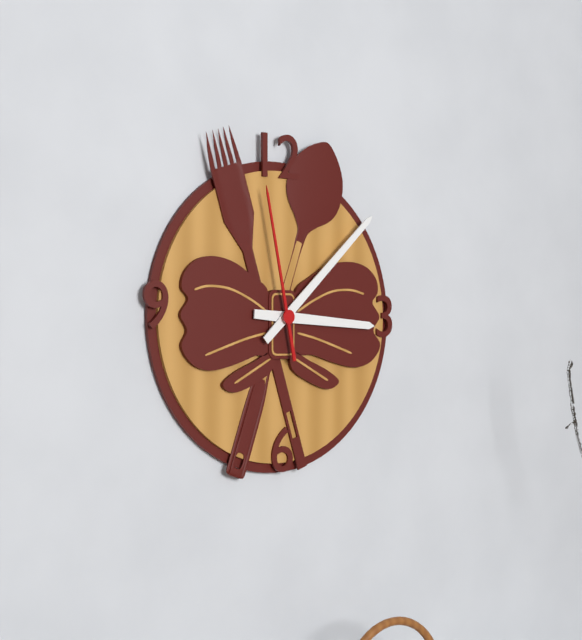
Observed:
3:08:58
